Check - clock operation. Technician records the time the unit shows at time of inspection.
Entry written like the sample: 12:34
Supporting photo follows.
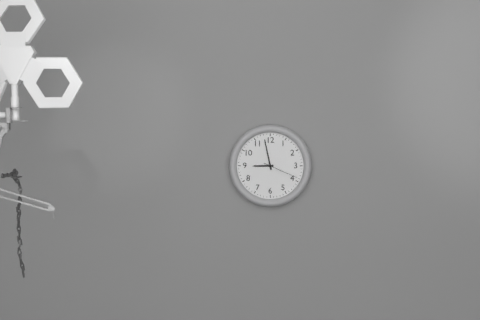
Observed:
8:58
